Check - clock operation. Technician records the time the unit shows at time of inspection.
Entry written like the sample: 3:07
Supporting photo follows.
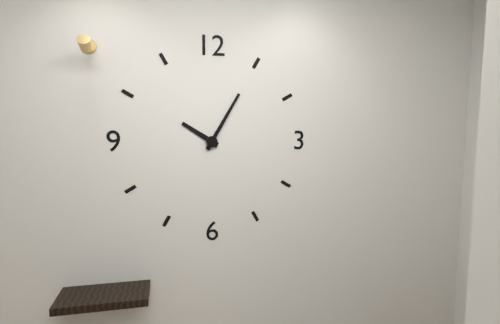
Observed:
10:05
